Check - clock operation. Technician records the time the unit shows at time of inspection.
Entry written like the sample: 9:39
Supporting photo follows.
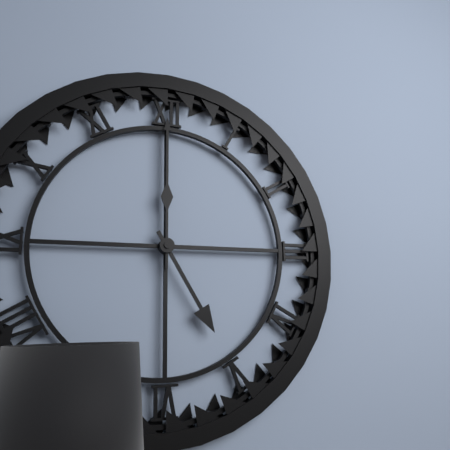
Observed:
5:00
